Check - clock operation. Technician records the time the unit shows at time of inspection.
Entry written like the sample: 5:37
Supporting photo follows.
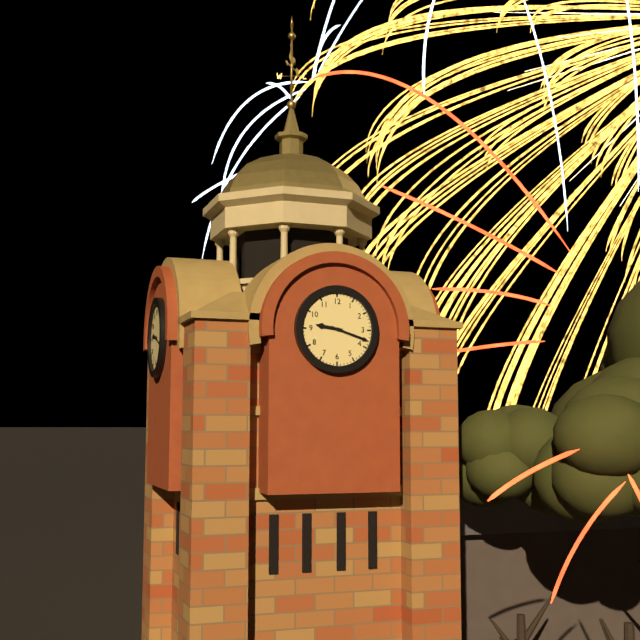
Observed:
9:18
